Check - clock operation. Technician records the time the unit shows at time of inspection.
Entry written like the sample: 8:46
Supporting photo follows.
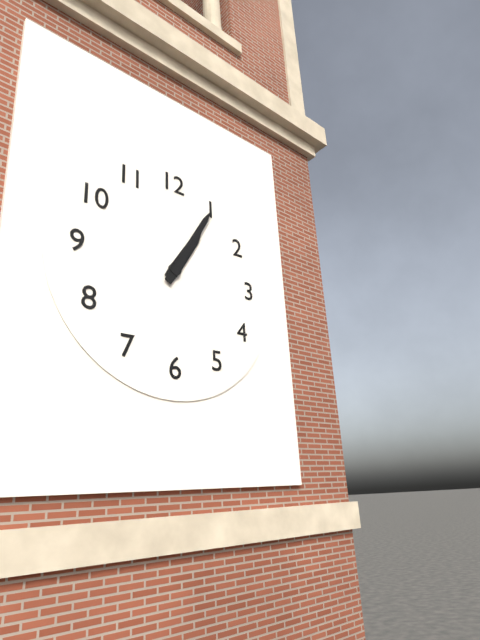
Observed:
1:05
